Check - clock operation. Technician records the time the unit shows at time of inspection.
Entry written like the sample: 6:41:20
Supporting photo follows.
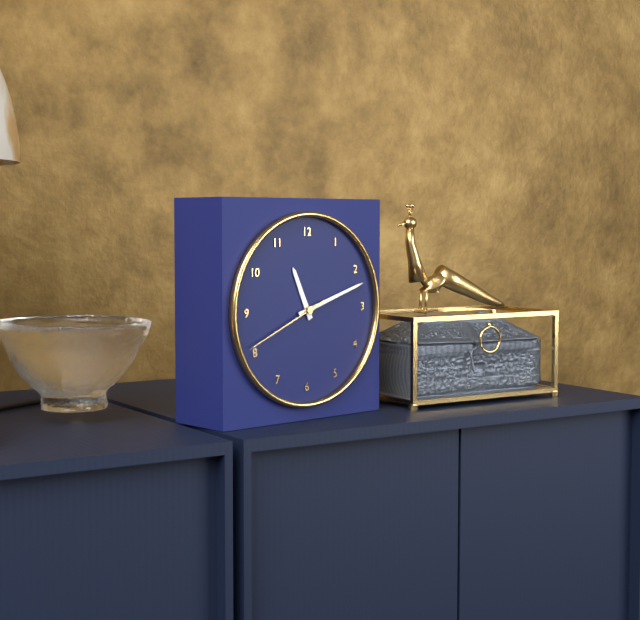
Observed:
11:12:41
